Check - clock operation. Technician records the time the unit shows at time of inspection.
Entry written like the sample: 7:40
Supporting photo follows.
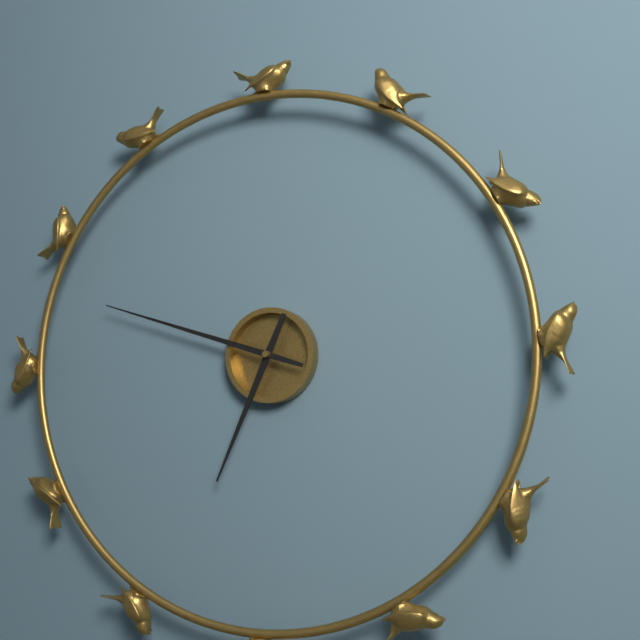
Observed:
6:48
